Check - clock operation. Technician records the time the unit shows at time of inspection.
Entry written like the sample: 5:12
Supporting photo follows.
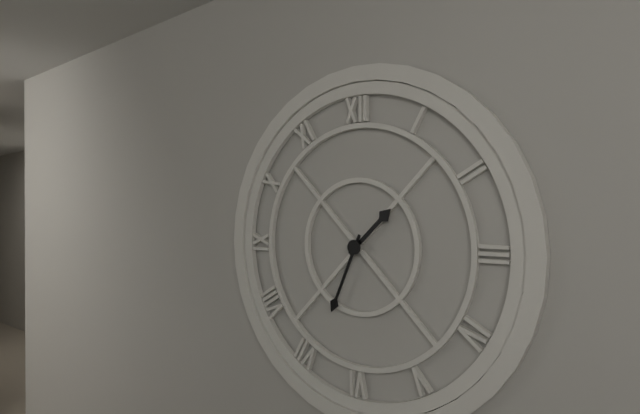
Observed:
1:34
